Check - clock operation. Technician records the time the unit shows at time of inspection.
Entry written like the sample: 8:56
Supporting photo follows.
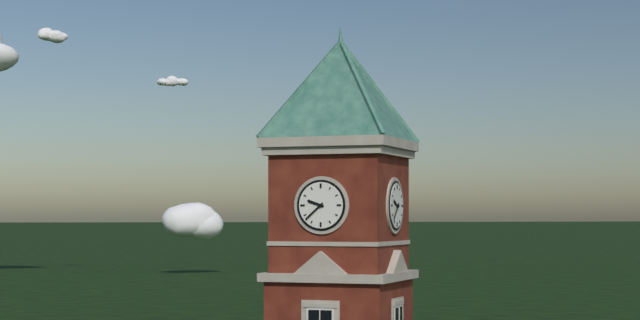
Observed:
9:38
